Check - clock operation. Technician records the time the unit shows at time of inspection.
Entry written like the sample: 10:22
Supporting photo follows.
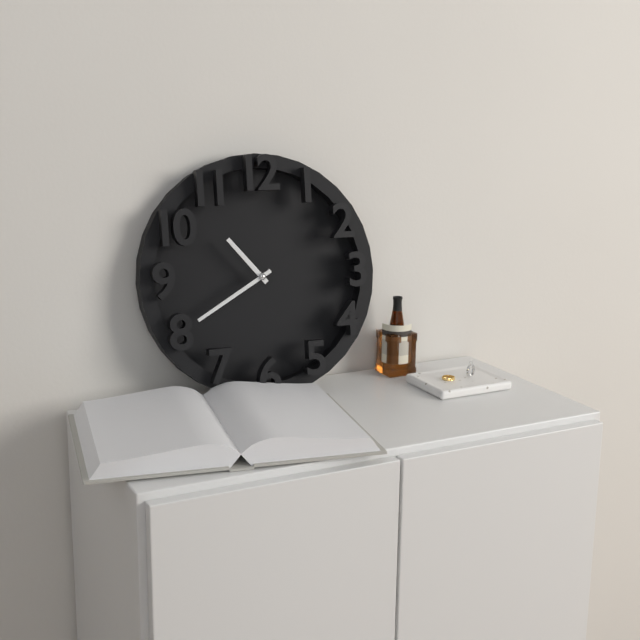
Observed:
10:40
